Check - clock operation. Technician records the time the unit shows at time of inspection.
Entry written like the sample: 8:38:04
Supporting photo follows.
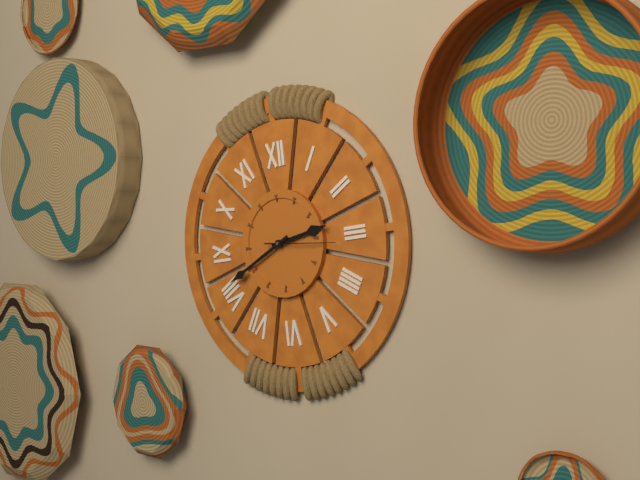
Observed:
2:41:16
